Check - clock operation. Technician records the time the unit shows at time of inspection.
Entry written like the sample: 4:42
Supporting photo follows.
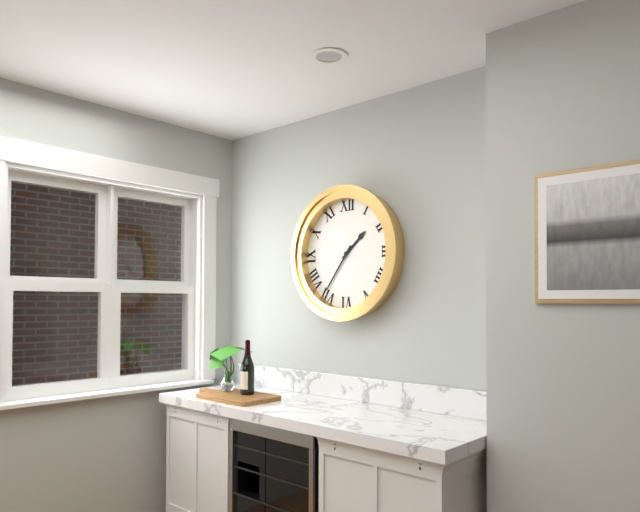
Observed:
1:36
